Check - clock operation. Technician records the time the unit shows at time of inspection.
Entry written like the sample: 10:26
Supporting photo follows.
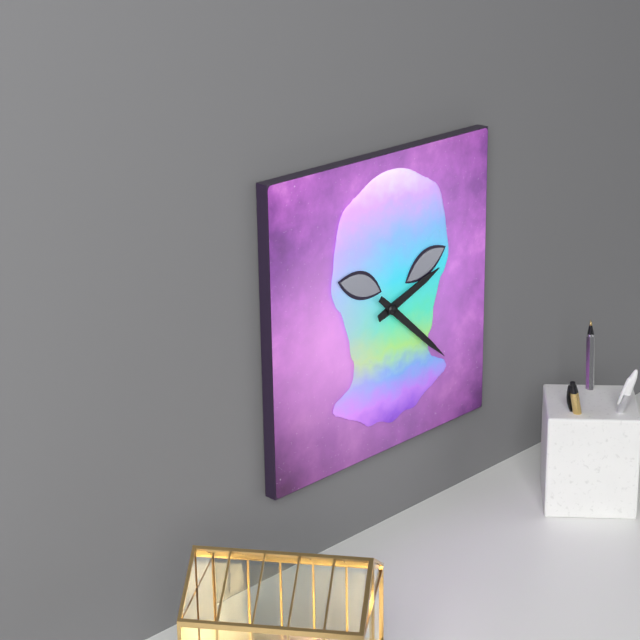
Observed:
2:22
